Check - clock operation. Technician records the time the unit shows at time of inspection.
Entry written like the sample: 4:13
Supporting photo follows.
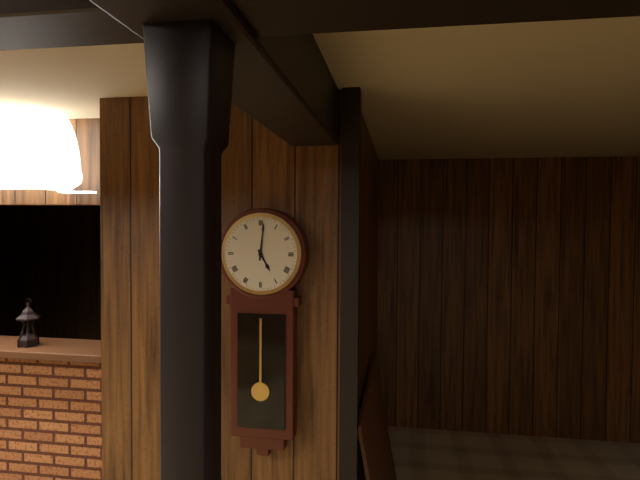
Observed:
5:01
